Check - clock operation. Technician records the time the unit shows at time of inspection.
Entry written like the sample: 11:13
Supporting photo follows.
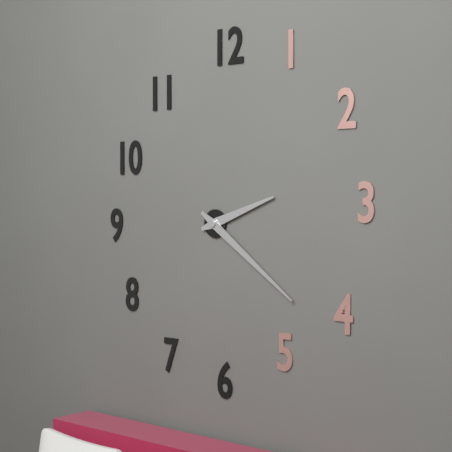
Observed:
2:21
